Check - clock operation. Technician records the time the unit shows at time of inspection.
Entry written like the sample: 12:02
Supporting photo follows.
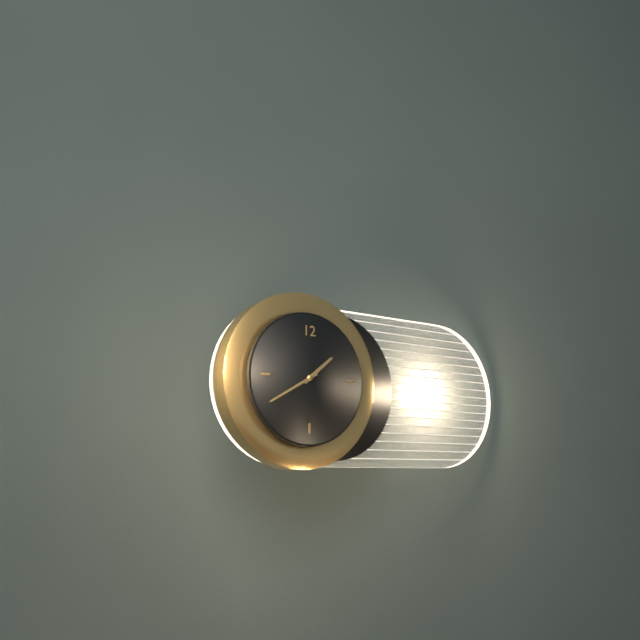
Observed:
1:40
